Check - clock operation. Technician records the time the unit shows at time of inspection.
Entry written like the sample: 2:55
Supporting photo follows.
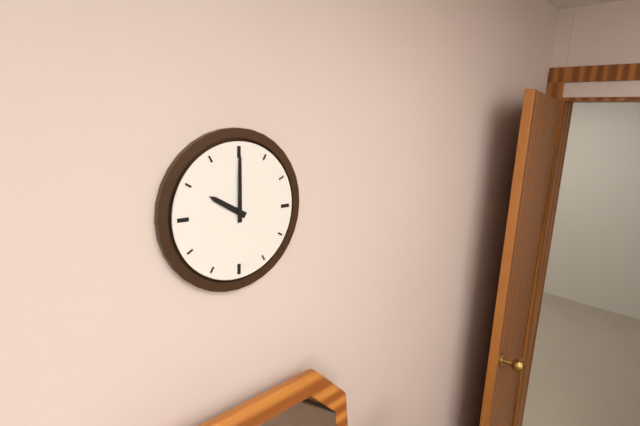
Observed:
10:00
